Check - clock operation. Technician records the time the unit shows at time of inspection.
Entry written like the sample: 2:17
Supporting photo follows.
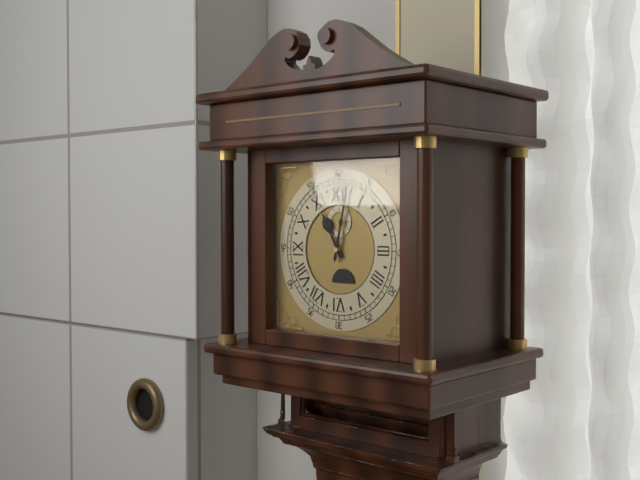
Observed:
11:02
